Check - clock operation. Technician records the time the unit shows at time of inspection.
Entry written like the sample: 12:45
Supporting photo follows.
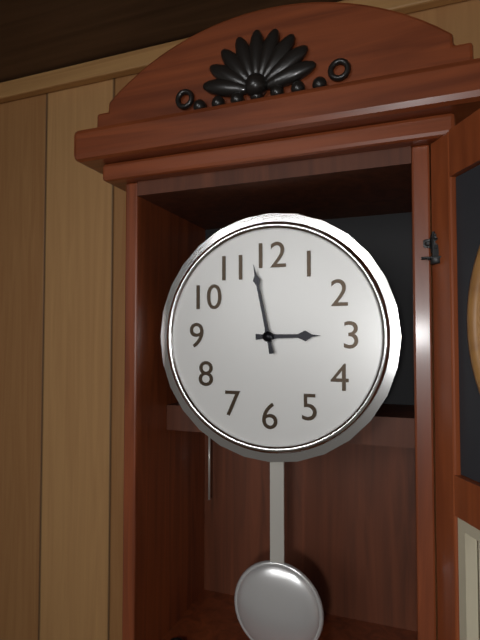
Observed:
2:58
